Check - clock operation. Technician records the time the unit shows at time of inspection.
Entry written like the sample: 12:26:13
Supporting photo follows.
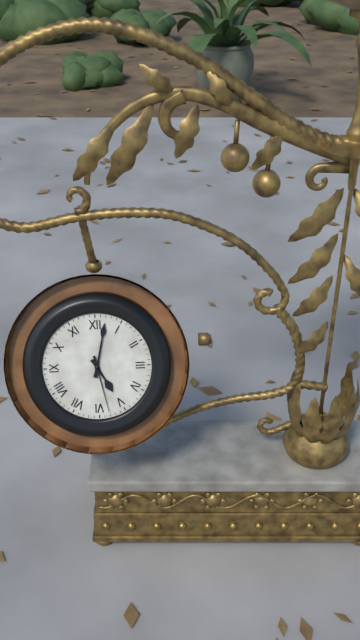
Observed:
5:02:28
